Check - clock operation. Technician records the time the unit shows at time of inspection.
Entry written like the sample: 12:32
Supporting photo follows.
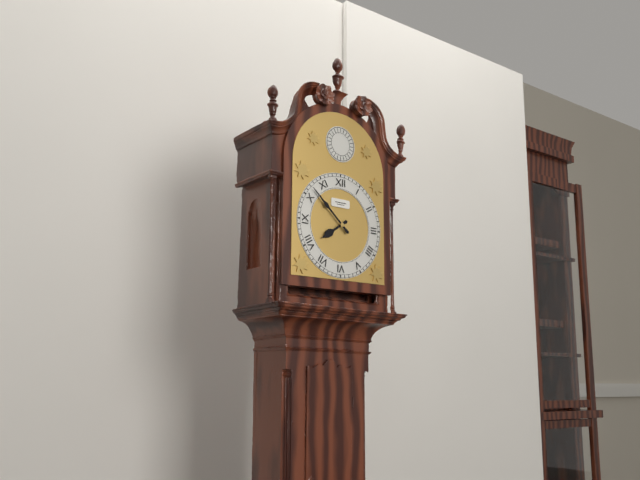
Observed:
7:52
